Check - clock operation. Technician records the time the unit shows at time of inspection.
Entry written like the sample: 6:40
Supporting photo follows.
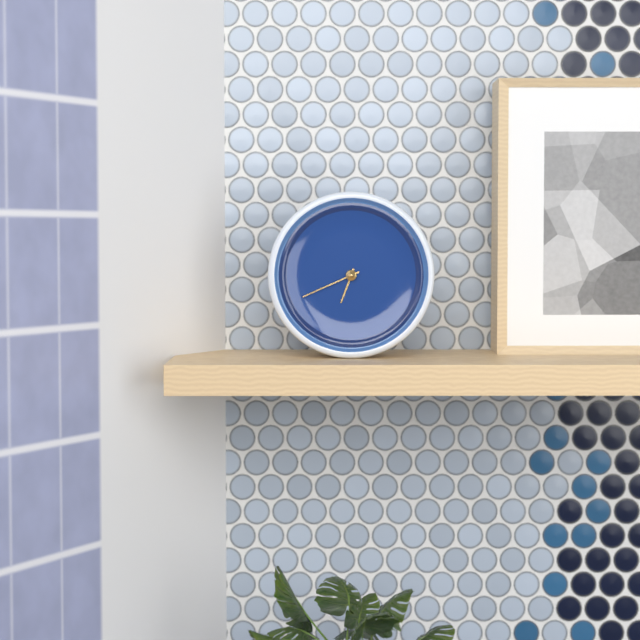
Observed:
6:41
